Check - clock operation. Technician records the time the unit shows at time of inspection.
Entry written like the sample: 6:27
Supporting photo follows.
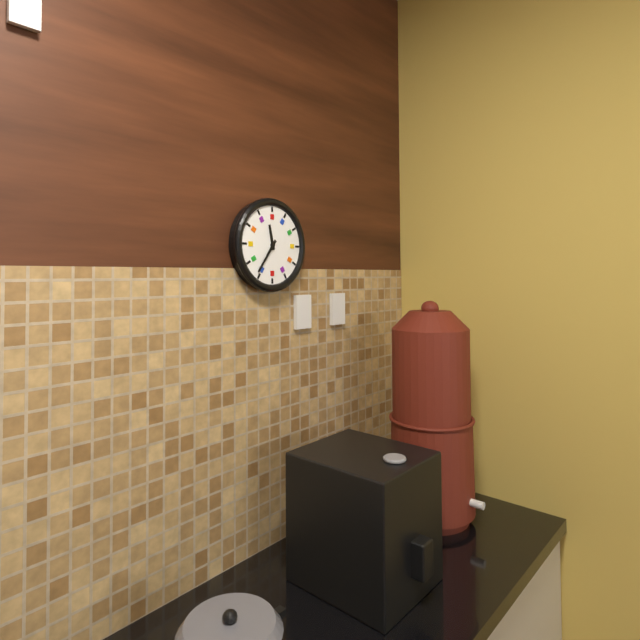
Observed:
11:36
